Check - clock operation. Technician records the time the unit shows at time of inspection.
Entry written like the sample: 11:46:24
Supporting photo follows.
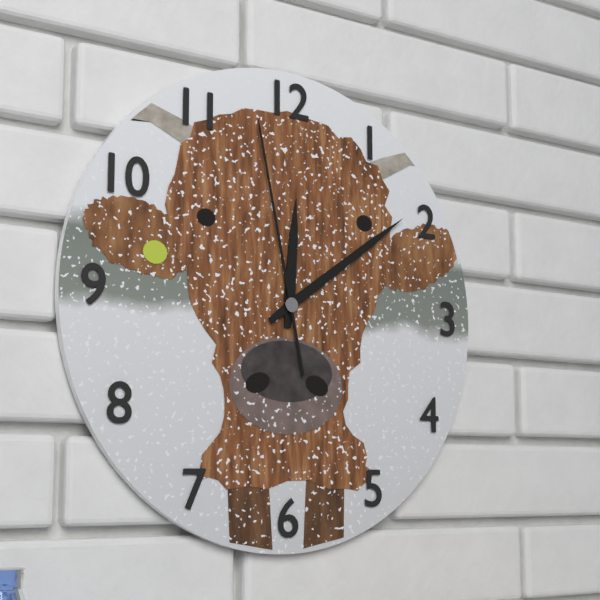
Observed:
12:09:58
